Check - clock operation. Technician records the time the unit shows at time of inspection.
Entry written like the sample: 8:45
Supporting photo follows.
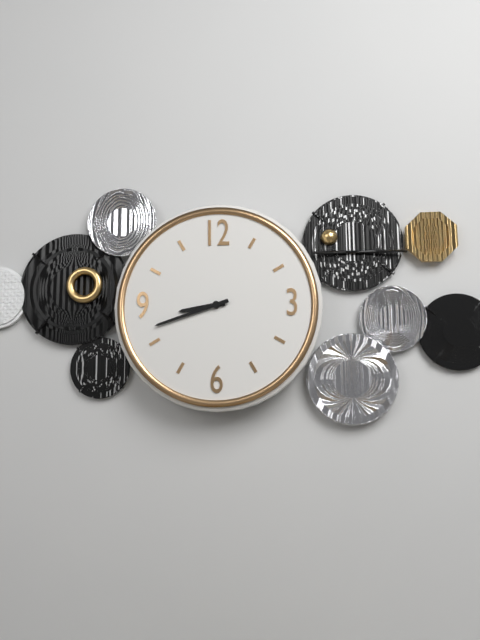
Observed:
8:42
